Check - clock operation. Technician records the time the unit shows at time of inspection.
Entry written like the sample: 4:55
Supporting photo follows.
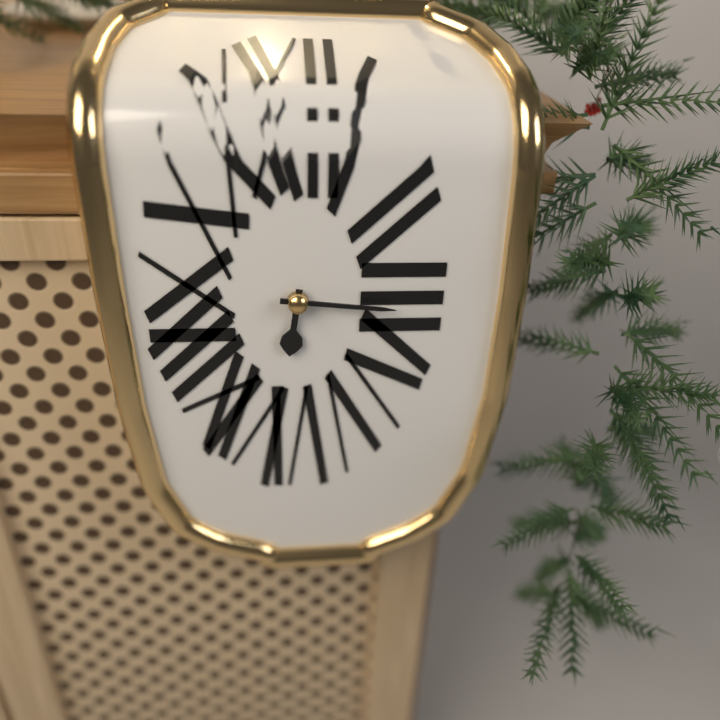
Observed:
6:16
